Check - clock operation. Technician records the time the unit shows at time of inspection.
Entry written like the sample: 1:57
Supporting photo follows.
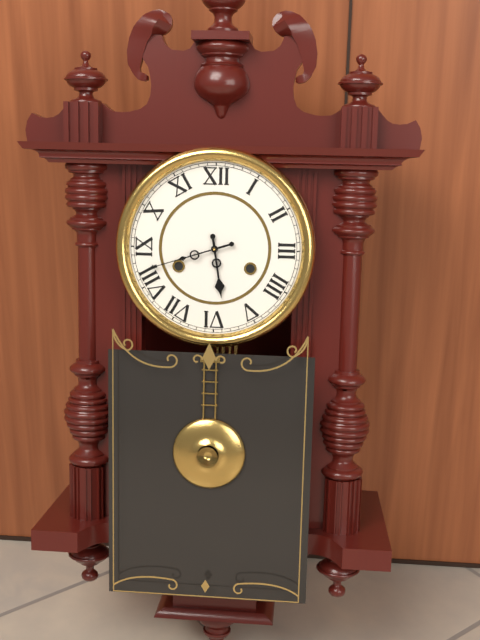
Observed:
5:42
